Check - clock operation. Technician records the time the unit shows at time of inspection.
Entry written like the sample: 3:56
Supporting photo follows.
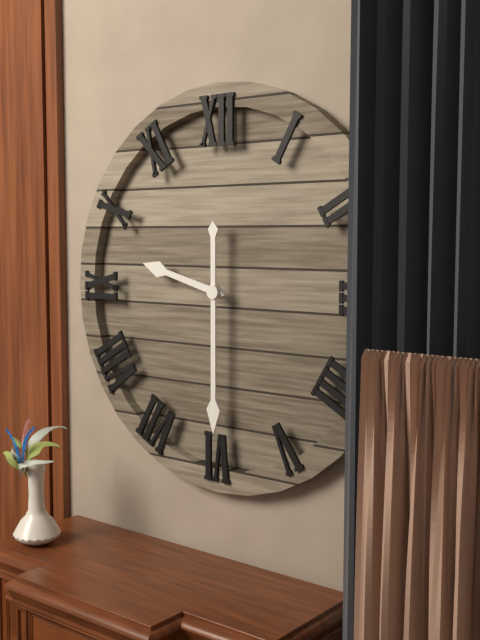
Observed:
9:30
